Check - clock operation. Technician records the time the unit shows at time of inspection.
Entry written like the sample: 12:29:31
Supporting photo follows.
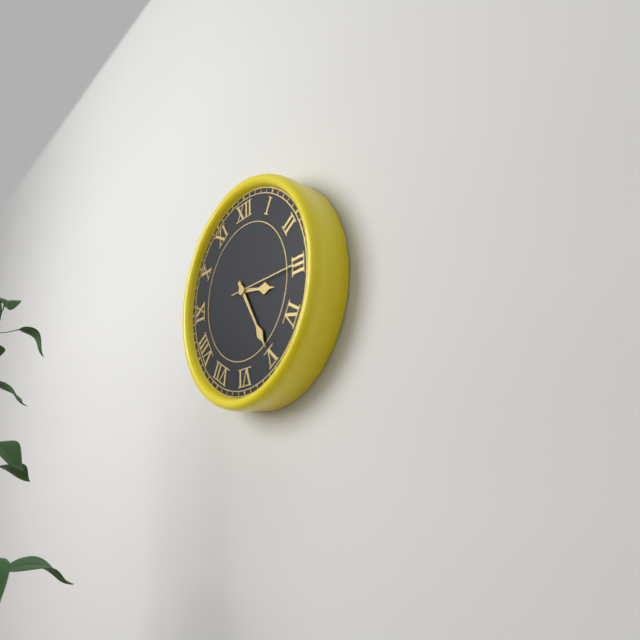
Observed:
3:25:15
